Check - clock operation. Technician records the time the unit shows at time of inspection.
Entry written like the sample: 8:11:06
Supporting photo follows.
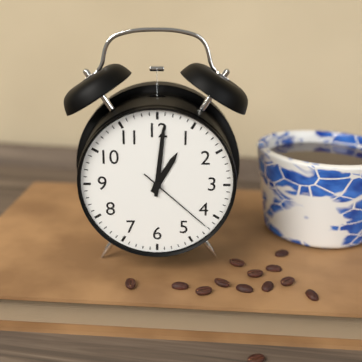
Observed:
1:01:22
